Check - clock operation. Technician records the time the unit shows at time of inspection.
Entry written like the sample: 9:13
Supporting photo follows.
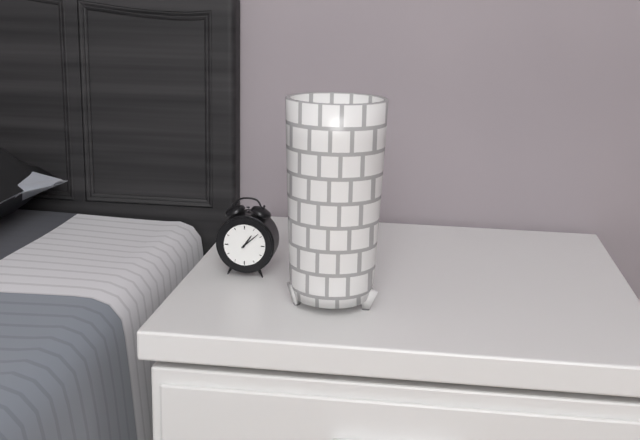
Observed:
1:08
